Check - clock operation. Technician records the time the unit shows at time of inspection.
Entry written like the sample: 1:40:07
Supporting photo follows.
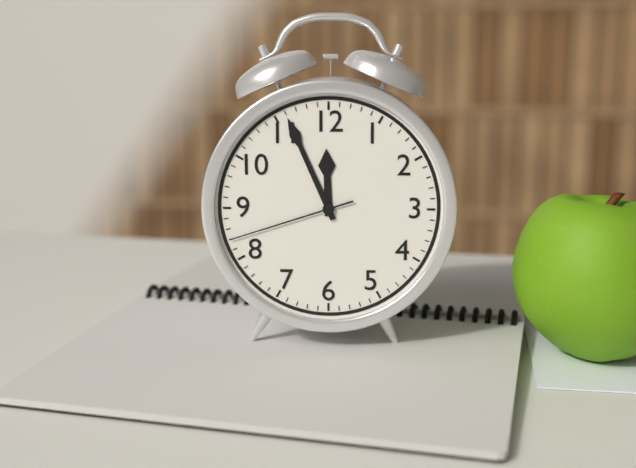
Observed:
11:56:42
